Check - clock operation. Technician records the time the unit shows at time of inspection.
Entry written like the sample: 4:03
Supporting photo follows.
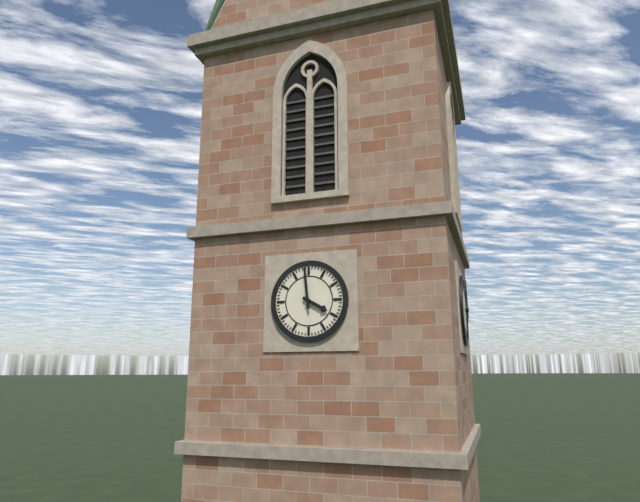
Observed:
3:59
